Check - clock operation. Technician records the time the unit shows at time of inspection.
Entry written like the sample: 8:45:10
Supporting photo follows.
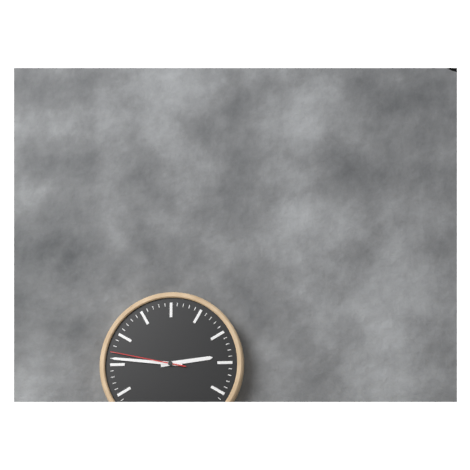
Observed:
2:46:47
